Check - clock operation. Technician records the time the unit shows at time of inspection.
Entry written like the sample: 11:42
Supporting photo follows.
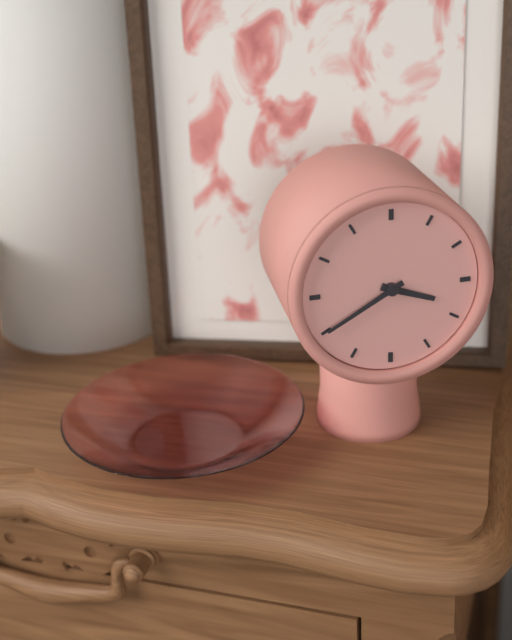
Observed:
3:40
